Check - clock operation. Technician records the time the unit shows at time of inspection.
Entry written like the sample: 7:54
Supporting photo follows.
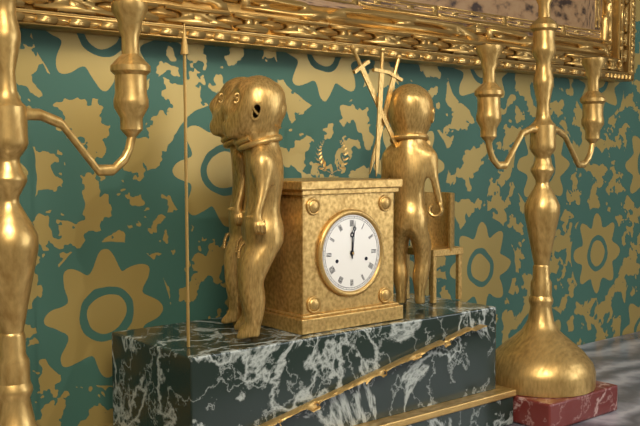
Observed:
12:01
